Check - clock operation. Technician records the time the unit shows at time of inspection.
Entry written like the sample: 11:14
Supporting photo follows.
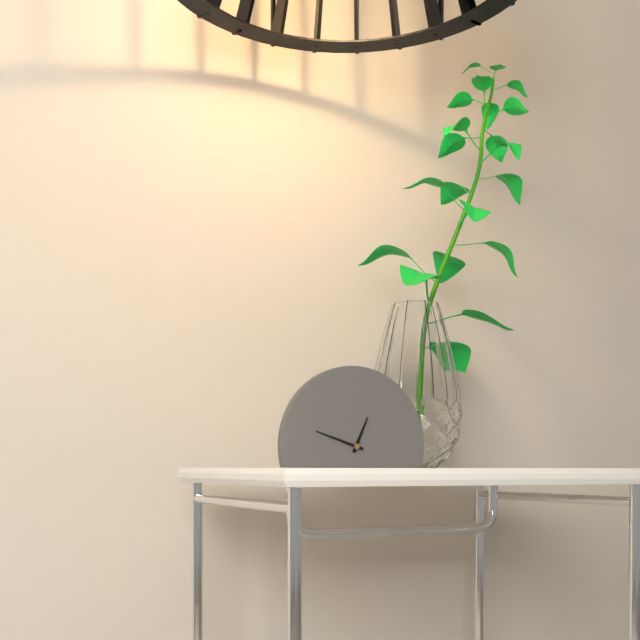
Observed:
12:48
